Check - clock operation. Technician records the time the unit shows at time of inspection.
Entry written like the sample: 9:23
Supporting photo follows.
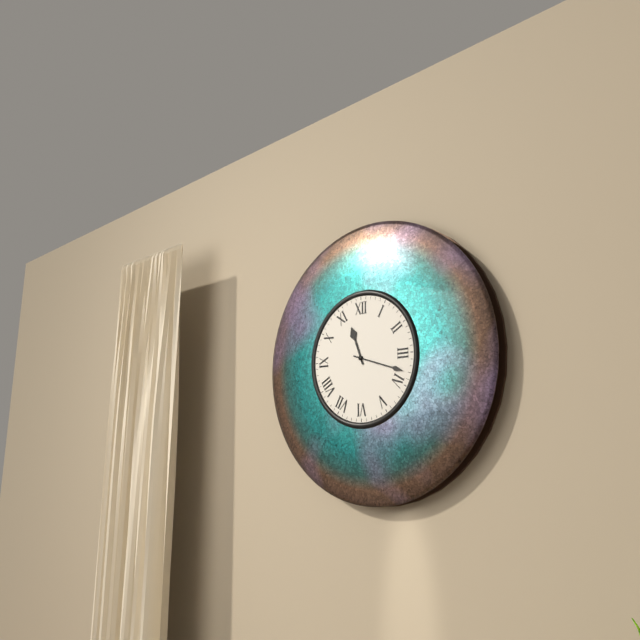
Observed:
11:18
